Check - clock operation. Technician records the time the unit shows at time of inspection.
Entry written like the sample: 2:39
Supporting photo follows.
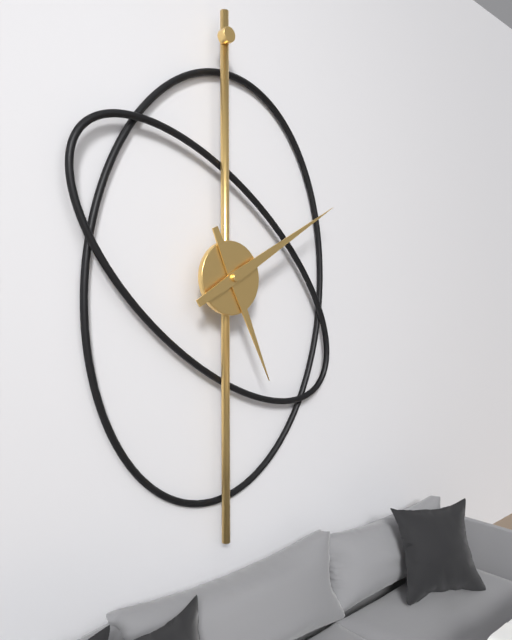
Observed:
5:10
